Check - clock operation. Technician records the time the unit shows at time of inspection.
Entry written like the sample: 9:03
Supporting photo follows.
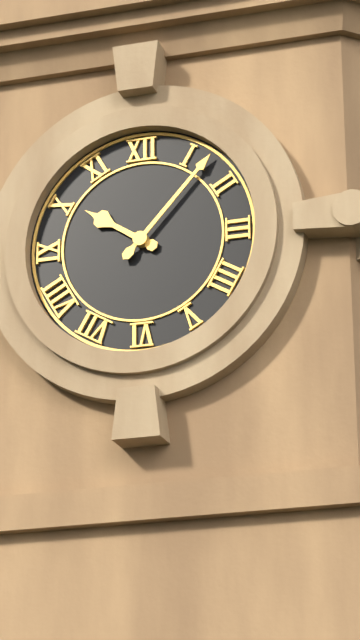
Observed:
10:07
